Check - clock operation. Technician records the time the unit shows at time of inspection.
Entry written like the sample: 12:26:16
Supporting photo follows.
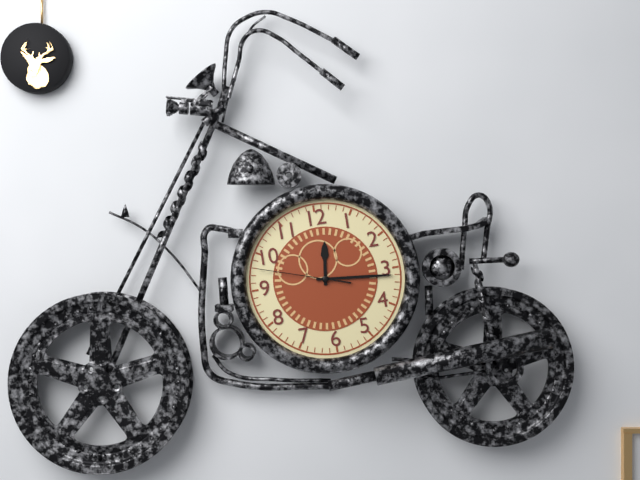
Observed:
12:16:48
